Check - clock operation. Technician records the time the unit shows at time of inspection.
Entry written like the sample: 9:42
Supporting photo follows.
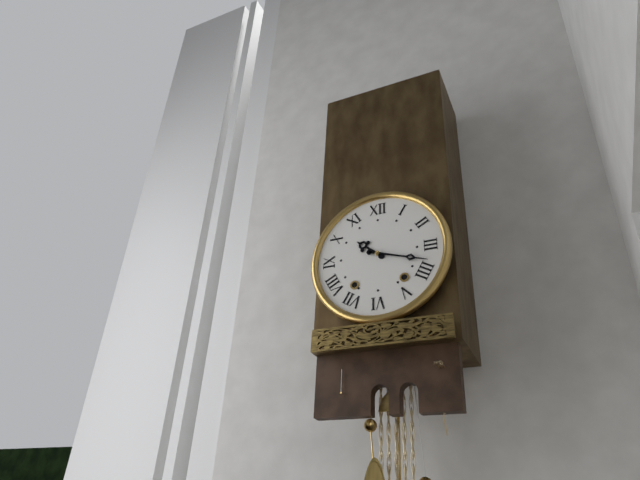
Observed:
10:18
